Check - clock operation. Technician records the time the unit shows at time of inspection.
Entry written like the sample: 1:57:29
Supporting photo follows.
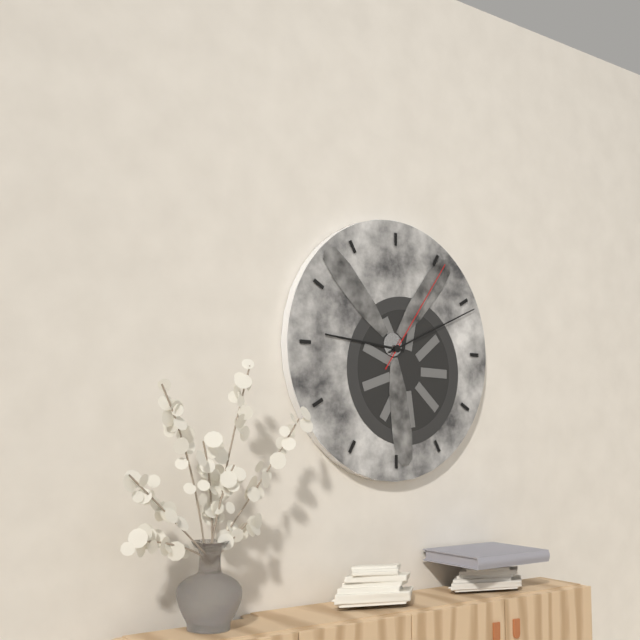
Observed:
9:11:06
